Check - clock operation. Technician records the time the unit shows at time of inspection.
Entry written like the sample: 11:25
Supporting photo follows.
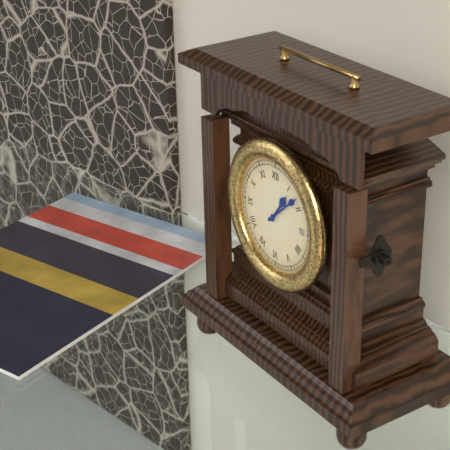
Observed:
1:08
